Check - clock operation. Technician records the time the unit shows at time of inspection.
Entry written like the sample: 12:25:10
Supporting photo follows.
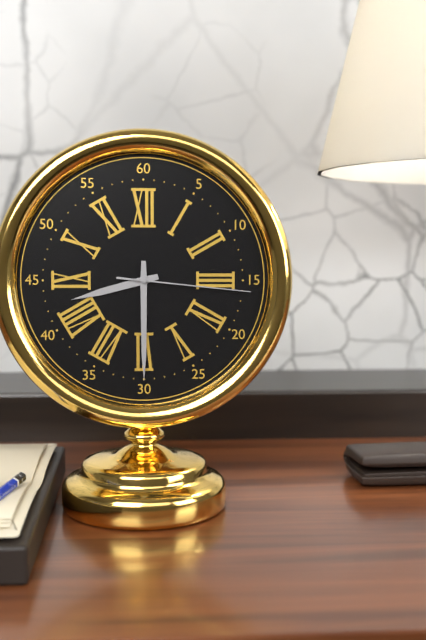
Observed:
8:30:16
